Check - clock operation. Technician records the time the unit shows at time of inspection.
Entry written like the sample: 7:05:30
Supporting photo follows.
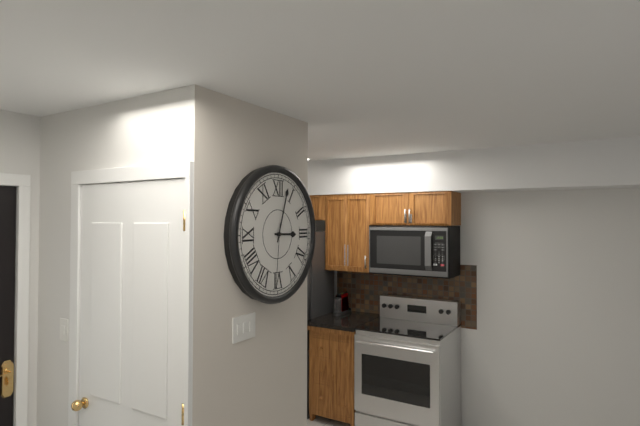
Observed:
3:03:31
